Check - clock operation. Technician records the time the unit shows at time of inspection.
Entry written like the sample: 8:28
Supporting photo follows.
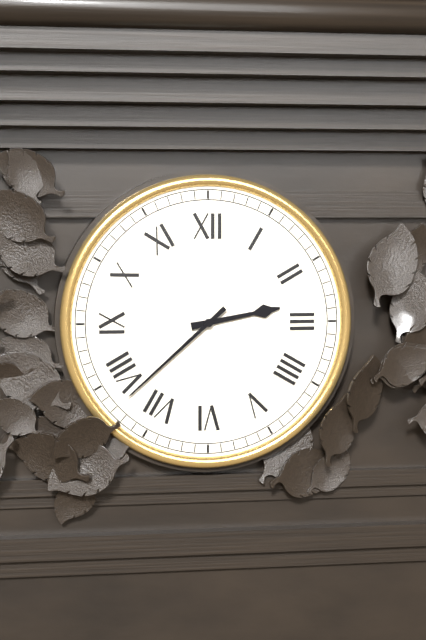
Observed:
2:38
